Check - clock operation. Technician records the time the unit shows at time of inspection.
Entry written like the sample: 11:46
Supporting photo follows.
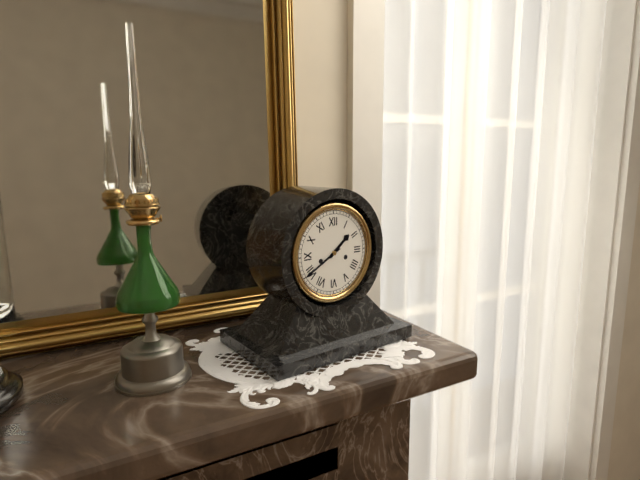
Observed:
1:40
